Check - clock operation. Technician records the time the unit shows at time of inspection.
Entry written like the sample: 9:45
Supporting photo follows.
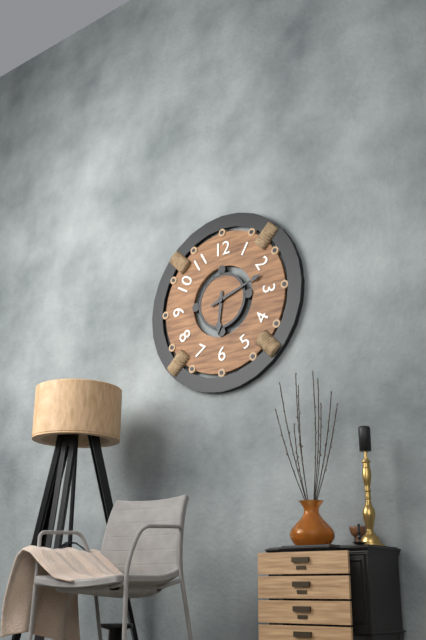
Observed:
6:12
